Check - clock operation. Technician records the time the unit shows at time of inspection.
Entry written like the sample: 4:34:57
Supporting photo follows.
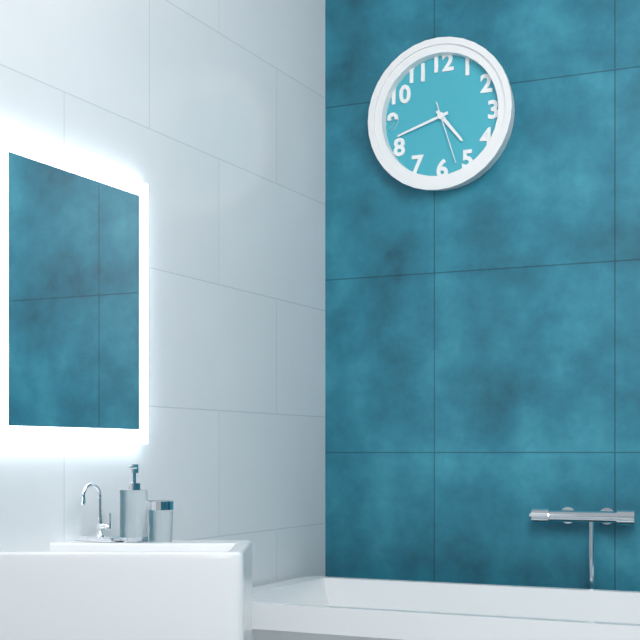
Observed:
4:42:27
